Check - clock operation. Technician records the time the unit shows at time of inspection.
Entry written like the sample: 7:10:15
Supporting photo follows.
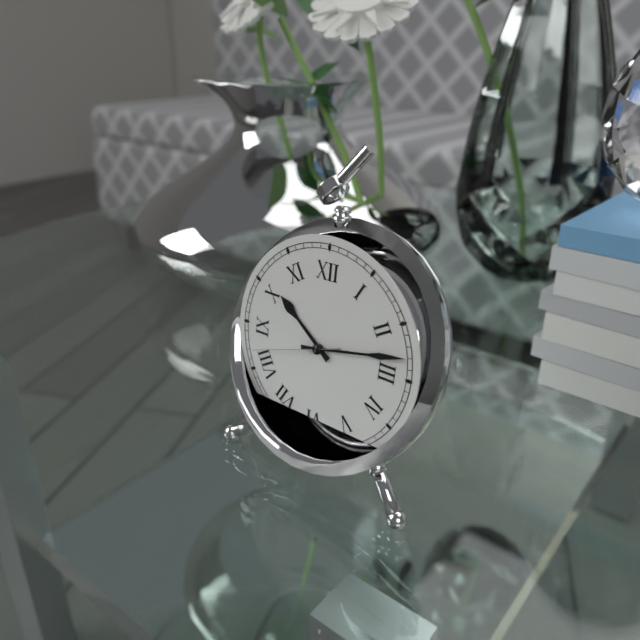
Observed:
10:13:42
